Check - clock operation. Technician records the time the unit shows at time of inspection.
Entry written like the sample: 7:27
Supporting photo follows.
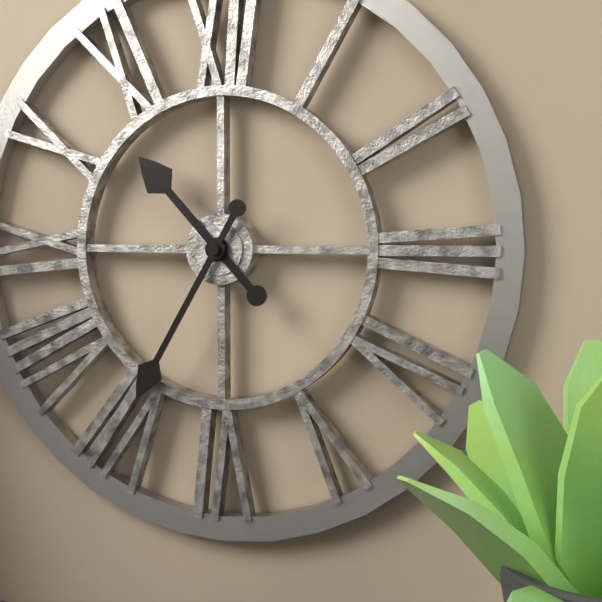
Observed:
10:35
